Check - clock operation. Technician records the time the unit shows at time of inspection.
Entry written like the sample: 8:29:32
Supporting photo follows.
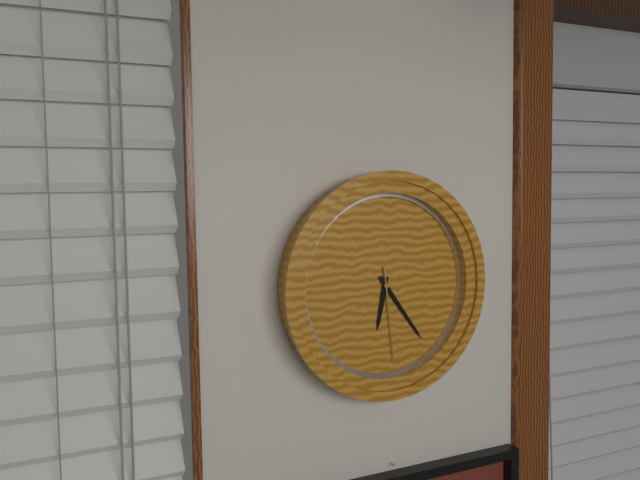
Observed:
6:24:29
